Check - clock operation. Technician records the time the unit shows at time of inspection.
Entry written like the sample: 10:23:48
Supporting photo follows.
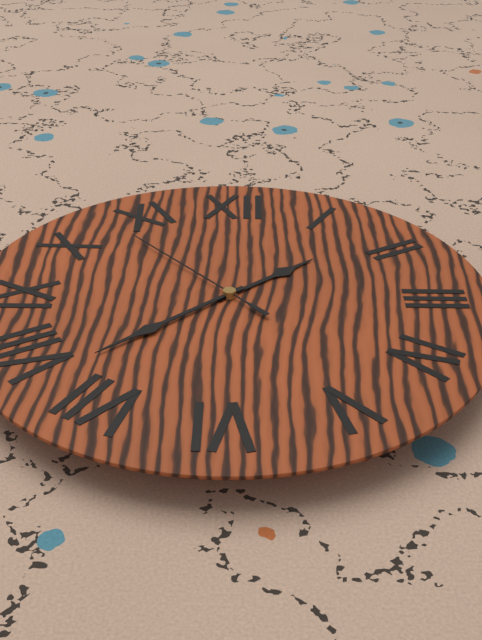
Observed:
1:38:53
